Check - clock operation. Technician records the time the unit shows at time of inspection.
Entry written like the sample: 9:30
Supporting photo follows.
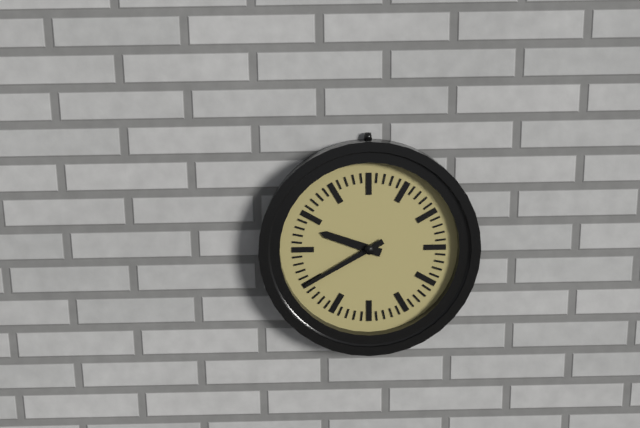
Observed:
9:40
